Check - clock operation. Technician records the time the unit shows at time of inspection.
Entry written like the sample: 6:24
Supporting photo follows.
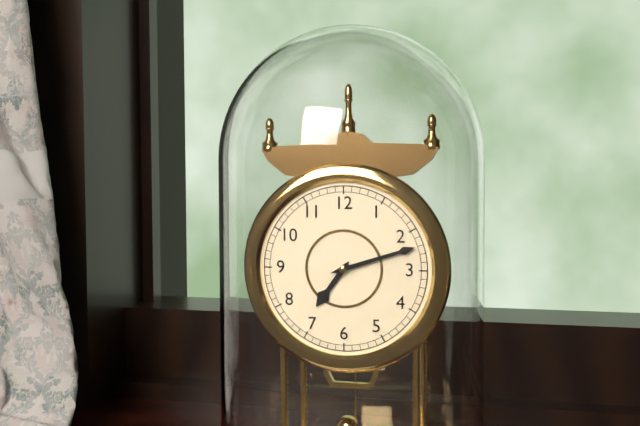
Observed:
7:12
